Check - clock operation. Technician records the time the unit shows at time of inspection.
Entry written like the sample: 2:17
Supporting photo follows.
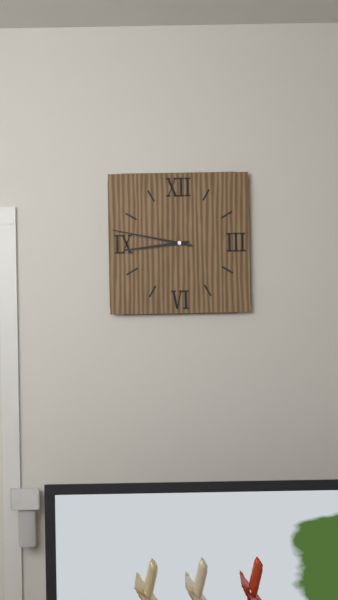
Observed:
8:47
